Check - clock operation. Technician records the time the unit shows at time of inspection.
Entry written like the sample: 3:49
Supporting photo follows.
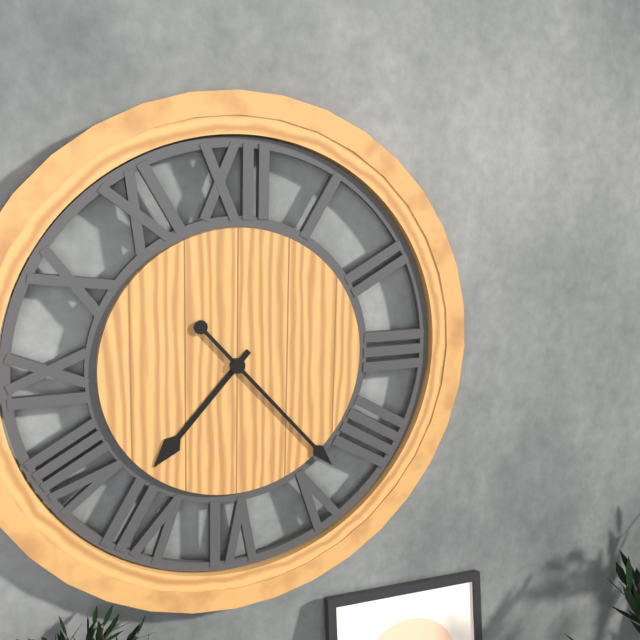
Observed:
7:23
